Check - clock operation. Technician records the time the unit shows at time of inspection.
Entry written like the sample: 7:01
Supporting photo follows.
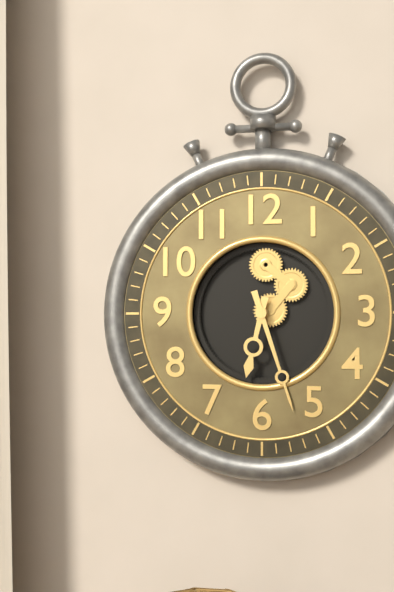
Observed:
6:27
